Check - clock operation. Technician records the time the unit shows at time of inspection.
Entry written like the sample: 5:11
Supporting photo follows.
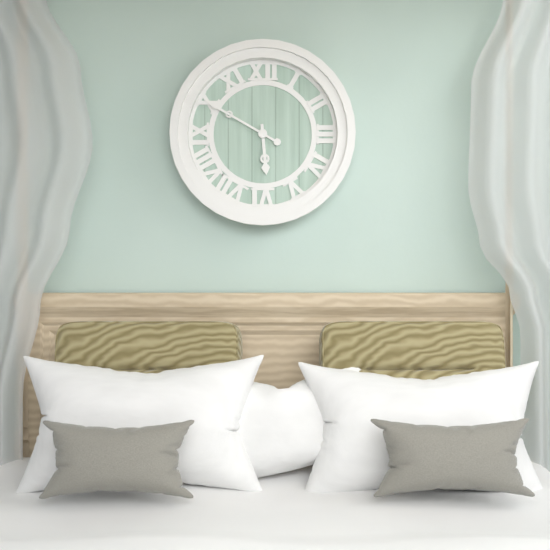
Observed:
5:50
